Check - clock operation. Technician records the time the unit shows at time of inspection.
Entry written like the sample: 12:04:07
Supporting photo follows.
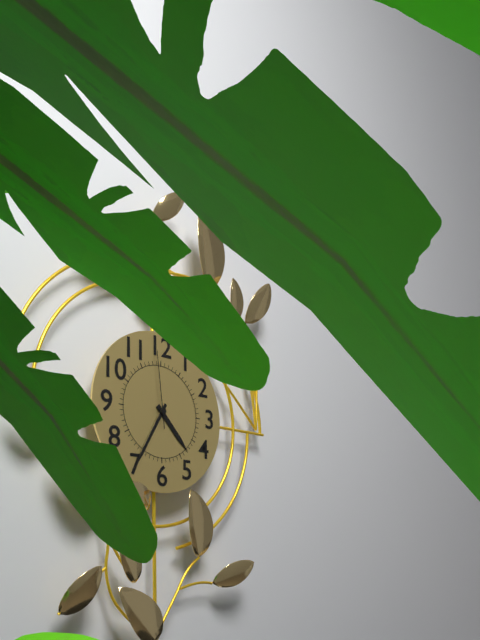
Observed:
4:35:59
